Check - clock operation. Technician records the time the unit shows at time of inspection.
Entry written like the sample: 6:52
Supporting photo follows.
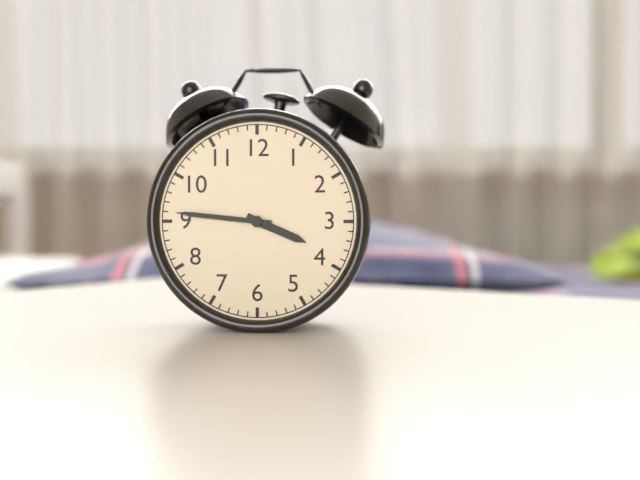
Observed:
3:46
